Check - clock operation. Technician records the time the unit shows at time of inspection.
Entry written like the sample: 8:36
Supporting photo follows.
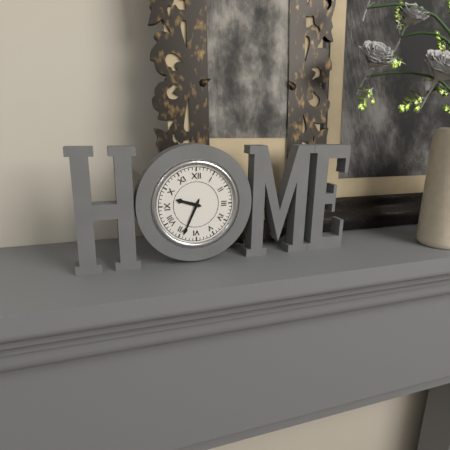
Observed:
9:34
